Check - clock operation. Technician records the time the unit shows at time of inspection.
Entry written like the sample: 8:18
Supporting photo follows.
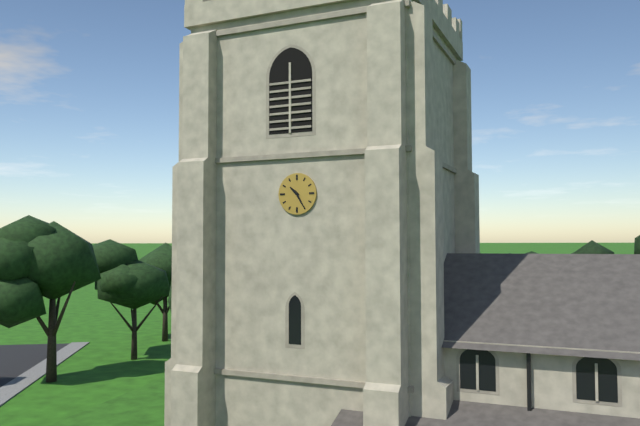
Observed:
10:25
